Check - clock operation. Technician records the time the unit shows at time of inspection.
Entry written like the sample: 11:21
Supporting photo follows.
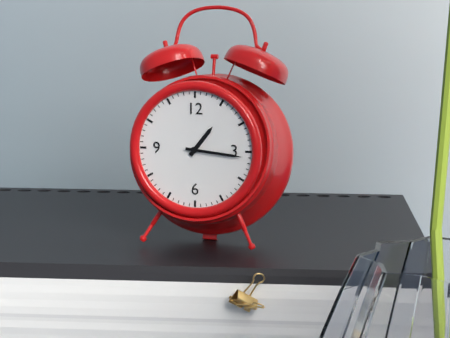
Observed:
1:16
